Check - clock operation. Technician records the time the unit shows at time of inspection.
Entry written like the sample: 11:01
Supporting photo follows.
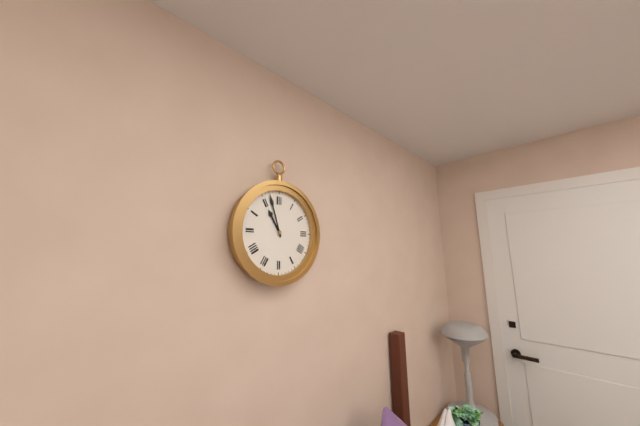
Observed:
10:57
